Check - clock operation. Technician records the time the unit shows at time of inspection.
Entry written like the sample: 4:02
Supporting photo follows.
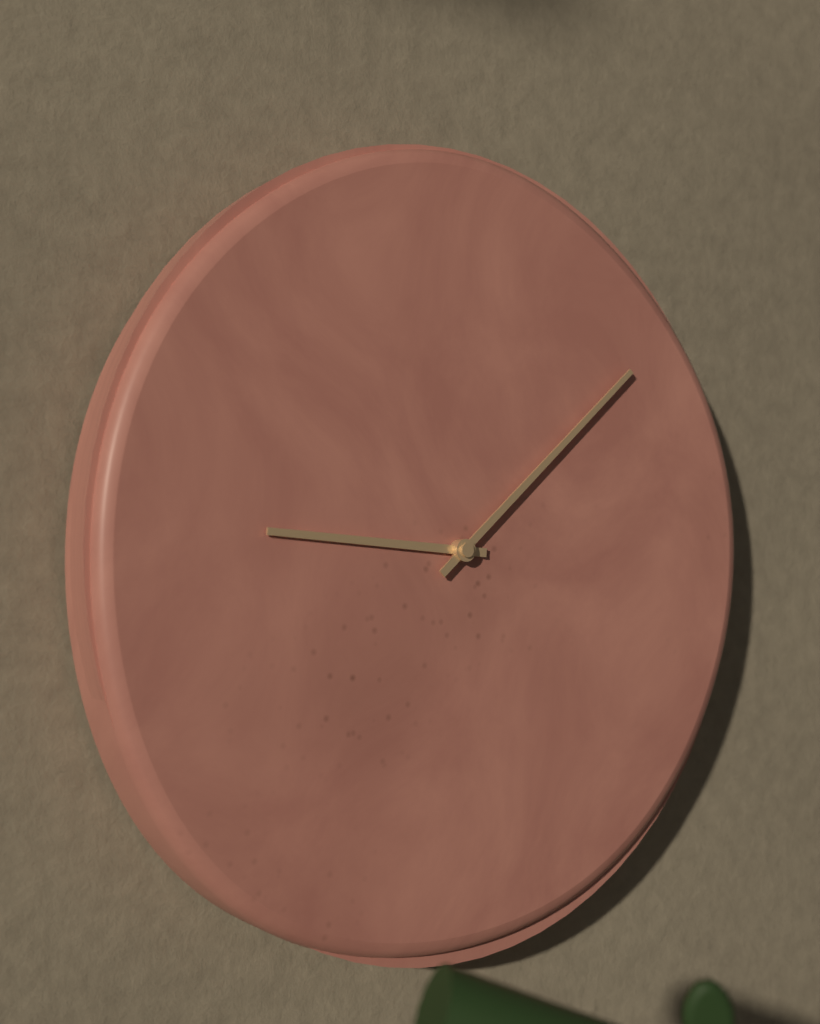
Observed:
9:08
